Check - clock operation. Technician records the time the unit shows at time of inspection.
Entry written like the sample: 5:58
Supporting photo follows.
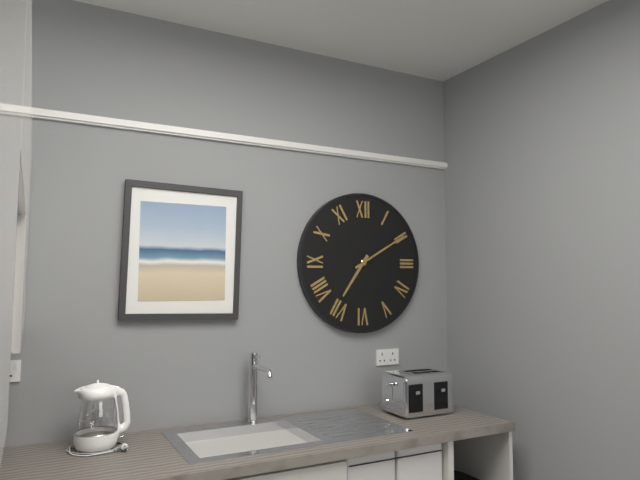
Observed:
7:10
